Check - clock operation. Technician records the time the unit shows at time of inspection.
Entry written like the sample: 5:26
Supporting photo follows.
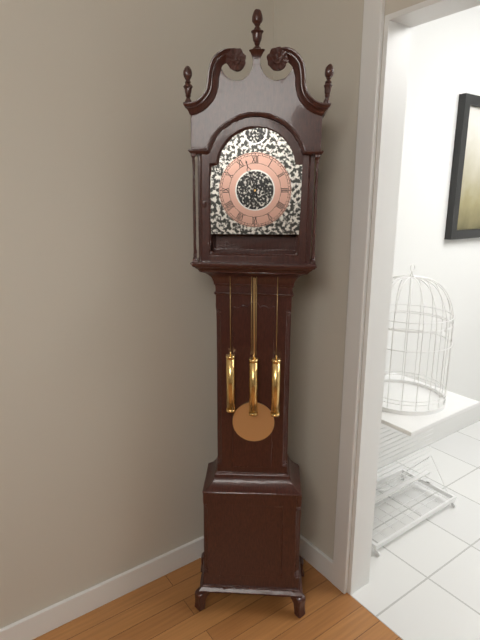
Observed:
6:57
